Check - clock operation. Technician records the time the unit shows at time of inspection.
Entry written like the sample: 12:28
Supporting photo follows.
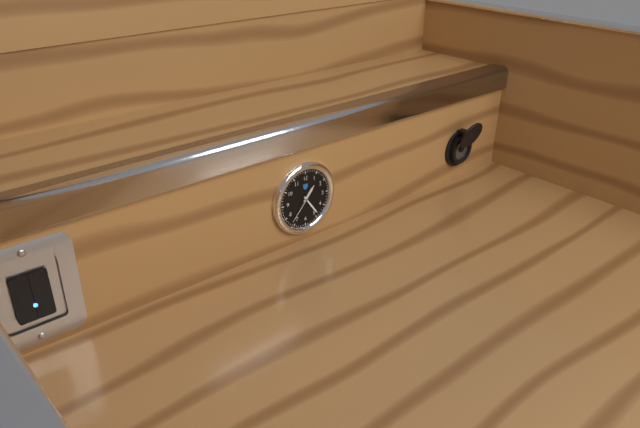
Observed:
1:24
